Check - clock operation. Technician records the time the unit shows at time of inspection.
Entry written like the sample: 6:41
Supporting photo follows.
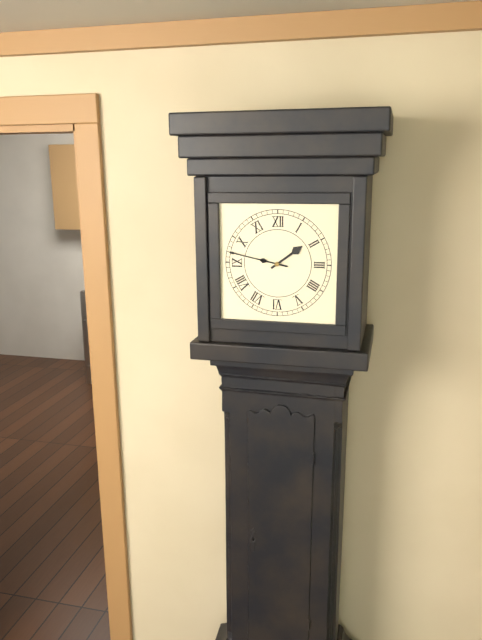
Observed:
1:47
